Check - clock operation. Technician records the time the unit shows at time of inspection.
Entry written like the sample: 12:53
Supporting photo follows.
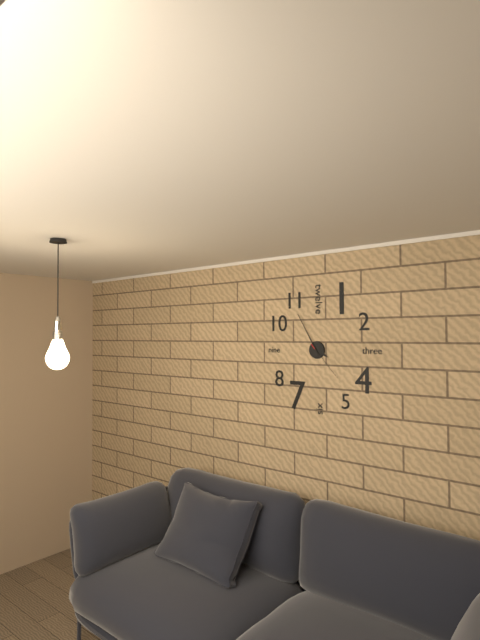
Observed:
3:55
